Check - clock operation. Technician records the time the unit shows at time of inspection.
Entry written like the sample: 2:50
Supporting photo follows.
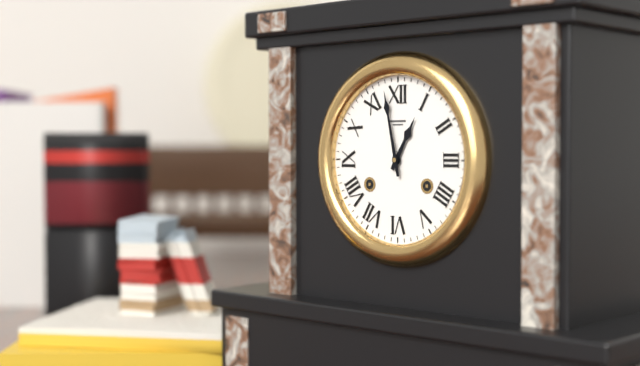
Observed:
12:58
